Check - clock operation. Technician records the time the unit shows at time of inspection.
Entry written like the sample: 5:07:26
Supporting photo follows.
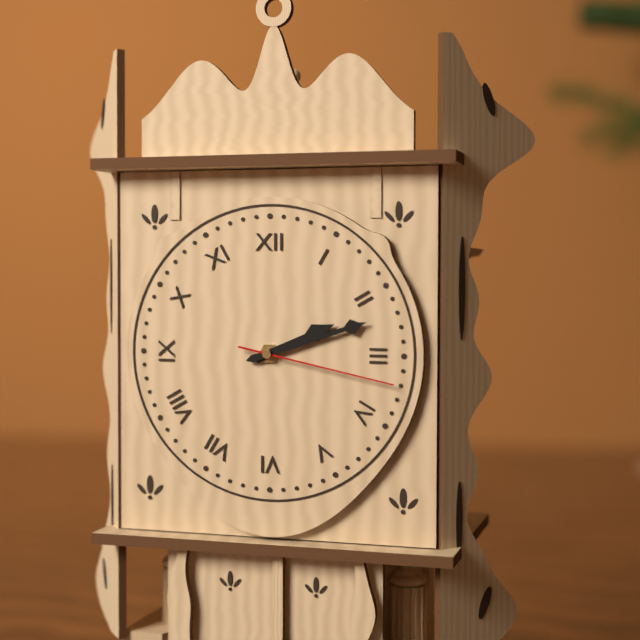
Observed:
2:12:17
